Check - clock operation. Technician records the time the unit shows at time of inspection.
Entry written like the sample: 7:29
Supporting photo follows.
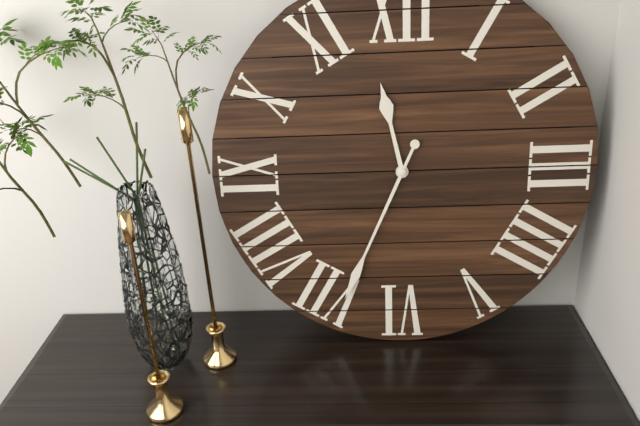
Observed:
11:34
